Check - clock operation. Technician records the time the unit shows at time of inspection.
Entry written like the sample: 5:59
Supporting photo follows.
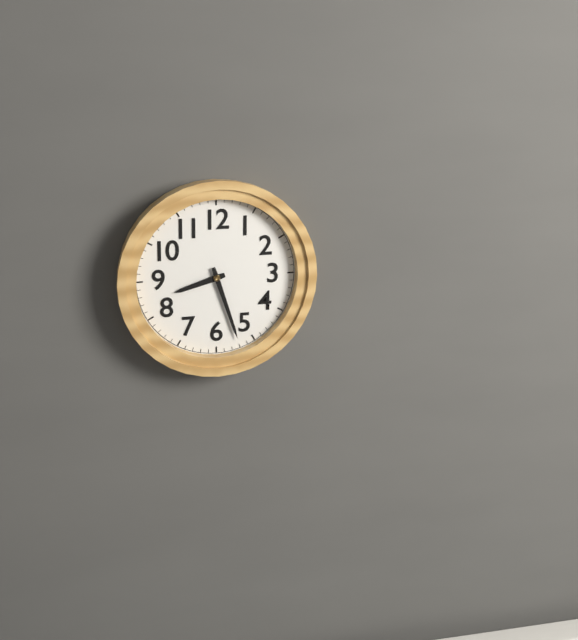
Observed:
8:27
